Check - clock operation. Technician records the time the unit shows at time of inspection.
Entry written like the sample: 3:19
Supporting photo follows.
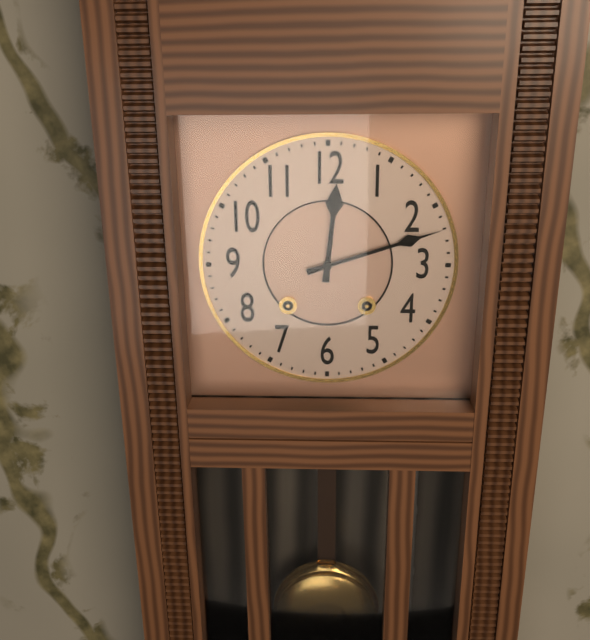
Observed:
12:12
